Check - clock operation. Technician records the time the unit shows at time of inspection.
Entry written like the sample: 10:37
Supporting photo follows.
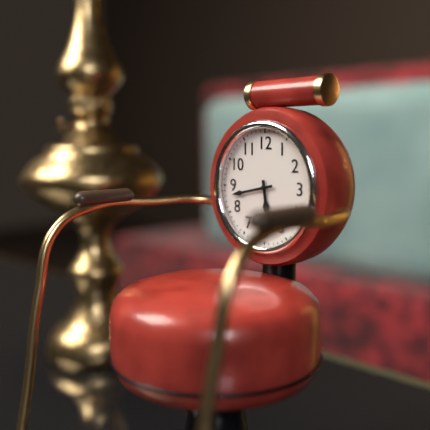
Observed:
5:43
